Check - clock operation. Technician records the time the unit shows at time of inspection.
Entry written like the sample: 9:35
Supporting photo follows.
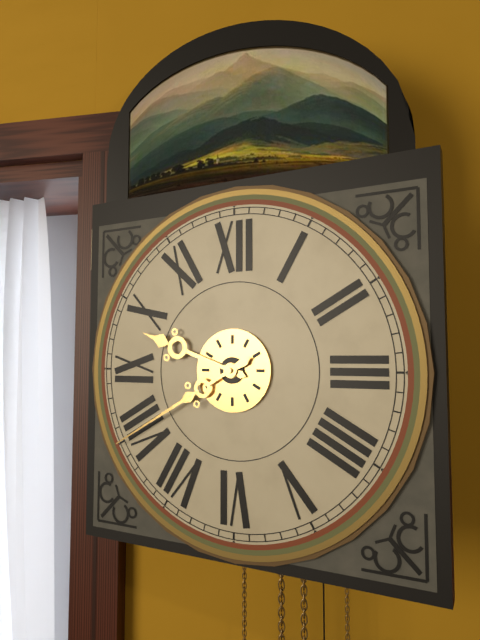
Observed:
9:40
